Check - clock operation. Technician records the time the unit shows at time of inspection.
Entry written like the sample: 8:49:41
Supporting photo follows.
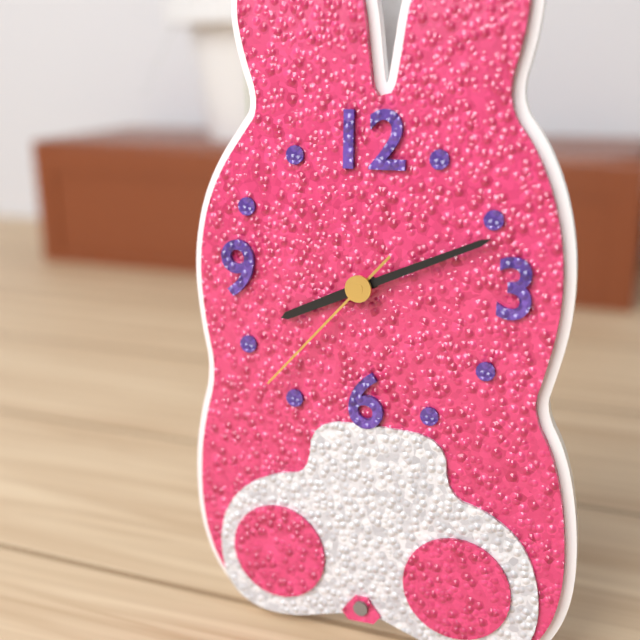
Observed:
8:11:37
